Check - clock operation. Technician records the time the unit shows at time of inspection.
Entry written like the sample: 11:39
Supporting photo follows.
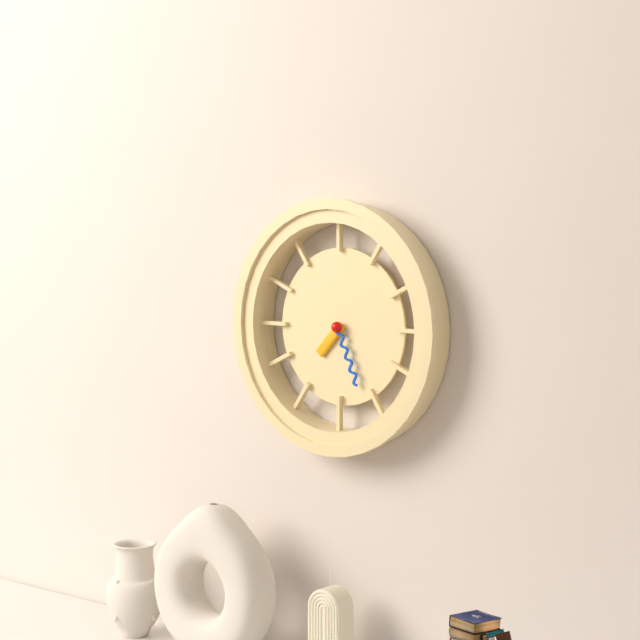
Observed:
7:26
